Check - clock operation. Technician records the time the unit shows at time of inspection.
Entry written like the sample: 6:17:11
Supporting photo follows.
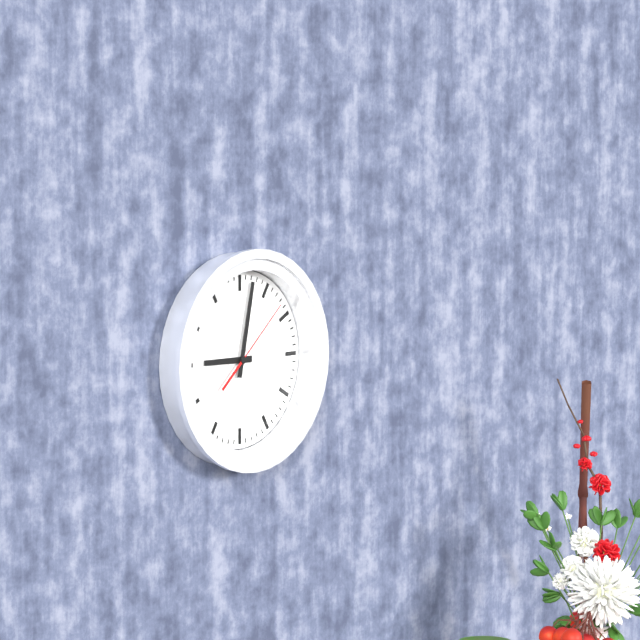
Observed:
9:02:08
